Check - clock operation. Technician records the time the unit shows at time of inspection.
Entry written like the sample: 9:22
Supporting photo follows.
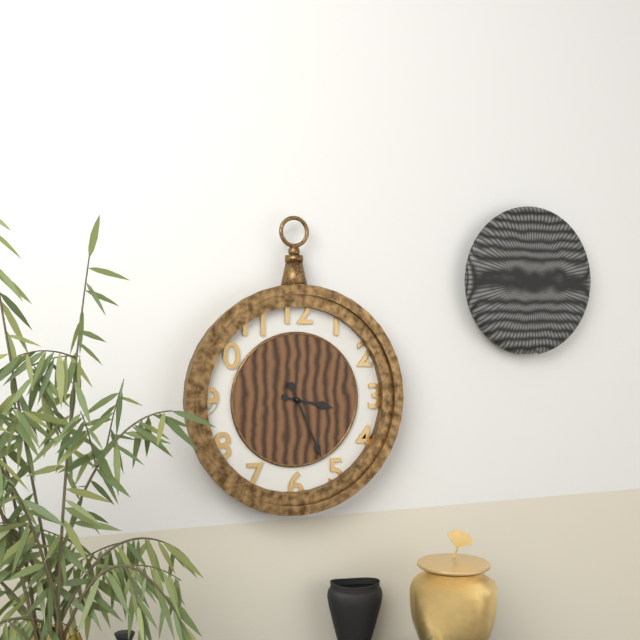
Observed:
3:26
